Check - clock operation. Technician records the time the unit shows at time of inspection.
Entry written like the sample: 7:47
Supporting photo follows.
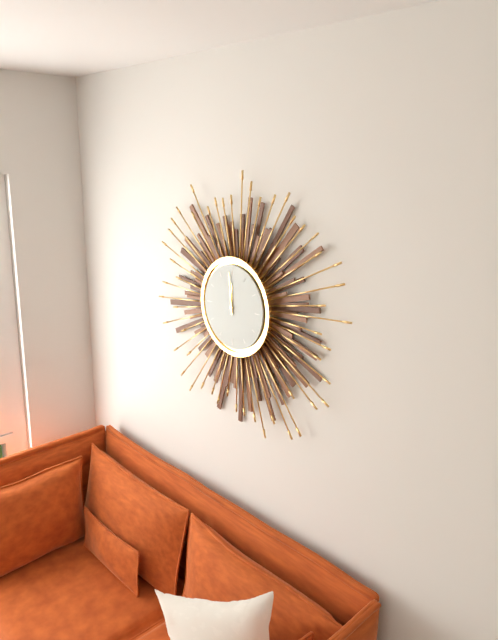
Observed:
11:59
